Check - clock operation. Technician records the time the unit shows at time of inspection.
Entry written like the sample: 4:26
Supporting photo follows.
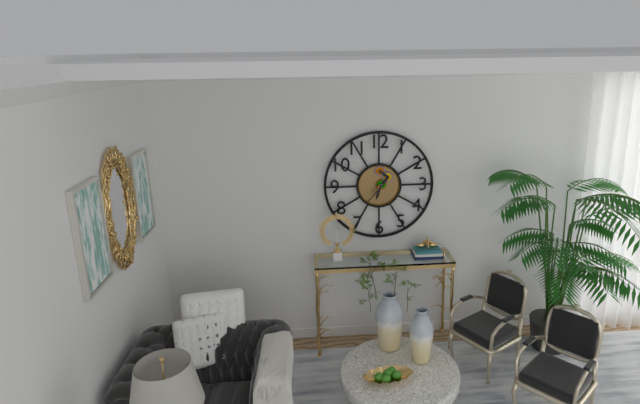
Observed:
6:37
